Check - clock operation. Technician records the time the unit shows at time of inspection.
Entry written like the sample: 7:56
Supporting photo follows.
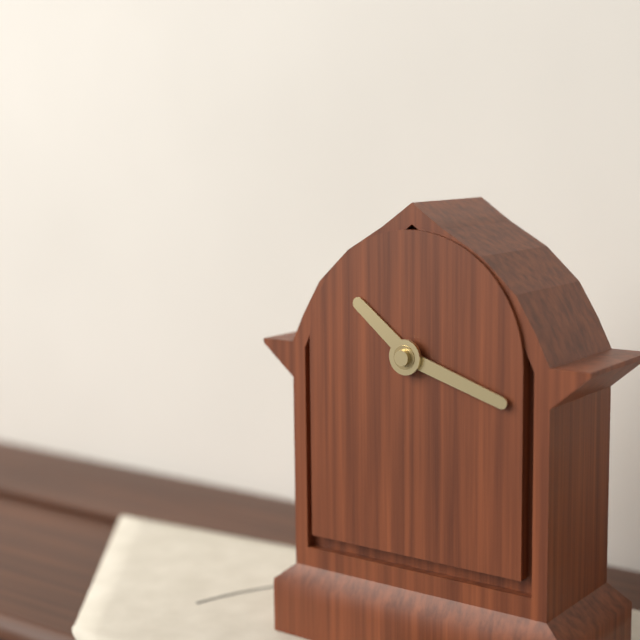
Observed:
10:18
